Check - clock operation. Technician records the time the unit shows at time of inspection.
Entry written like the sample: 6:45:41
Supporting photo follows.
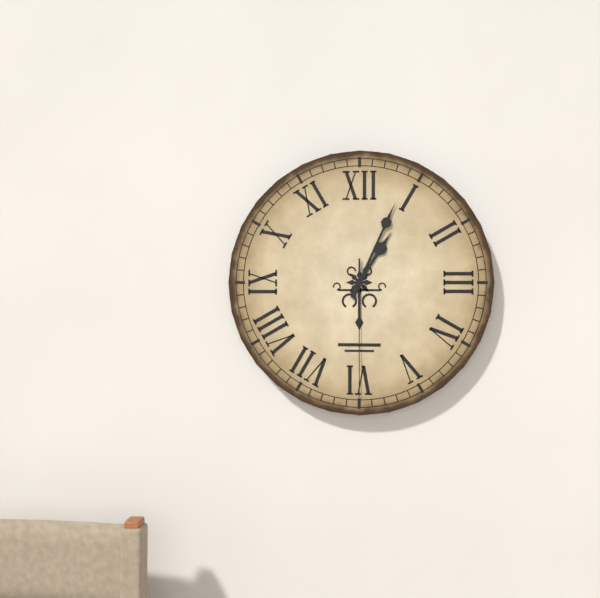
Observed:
1:04:30
